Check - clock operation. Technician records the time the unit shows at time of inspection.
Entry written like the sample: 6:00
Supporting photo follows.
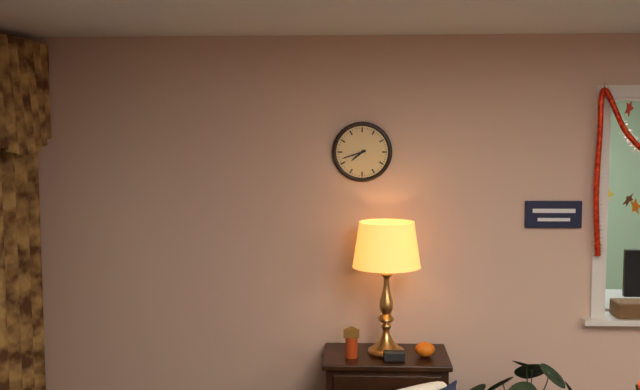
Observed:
7:42
